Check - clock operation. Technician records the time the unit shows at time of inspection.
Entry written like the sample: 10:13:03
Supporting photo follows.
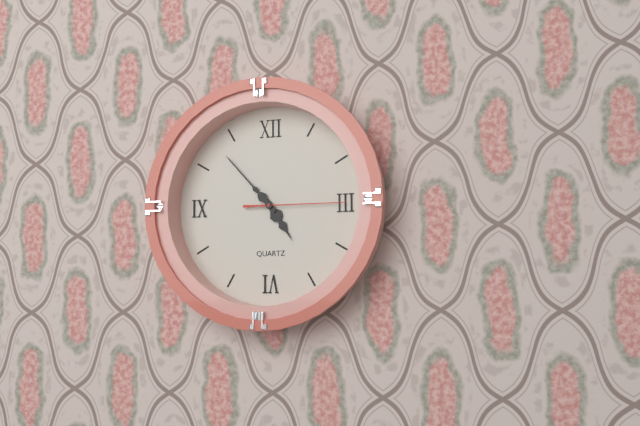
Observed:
4:53:15
